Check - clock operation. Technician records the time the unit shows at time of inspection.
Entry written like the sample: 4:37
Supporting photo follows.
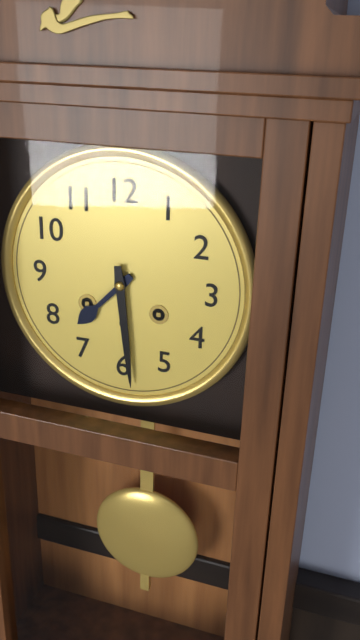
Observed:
7:29
